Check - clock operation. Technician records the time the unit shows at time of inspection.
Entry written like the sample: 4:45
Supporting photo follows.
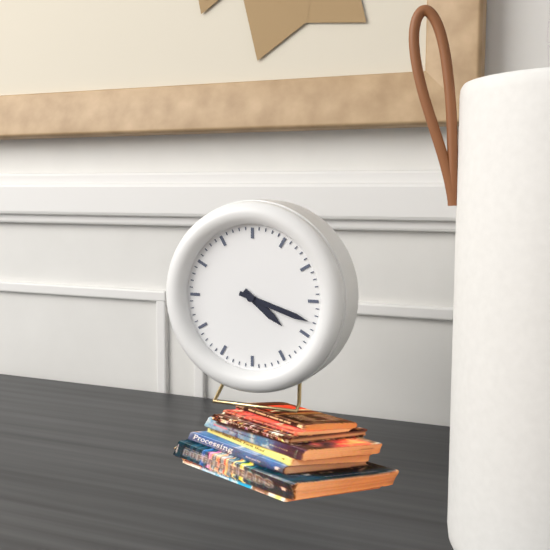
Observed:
4:18
